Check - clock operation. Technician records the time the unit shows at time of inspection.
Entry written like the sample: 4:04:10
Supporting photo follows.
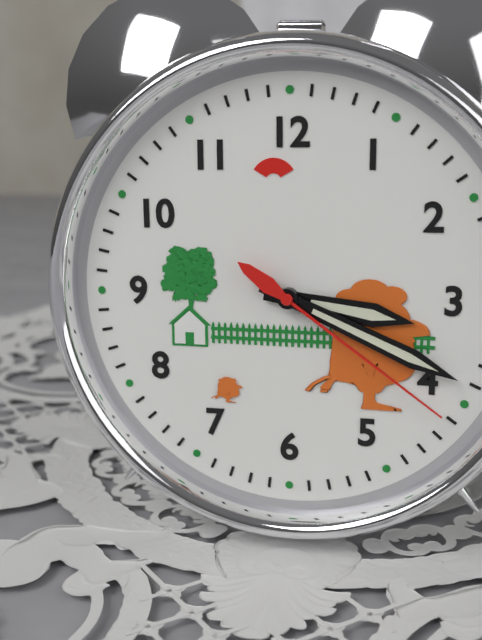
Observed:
3:19:21
